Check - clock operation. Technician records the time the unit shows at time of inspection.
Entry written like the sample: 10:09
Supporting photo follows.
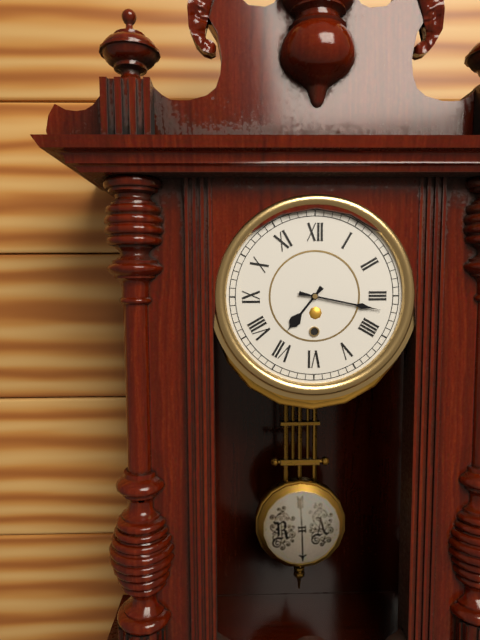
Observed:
7:17
